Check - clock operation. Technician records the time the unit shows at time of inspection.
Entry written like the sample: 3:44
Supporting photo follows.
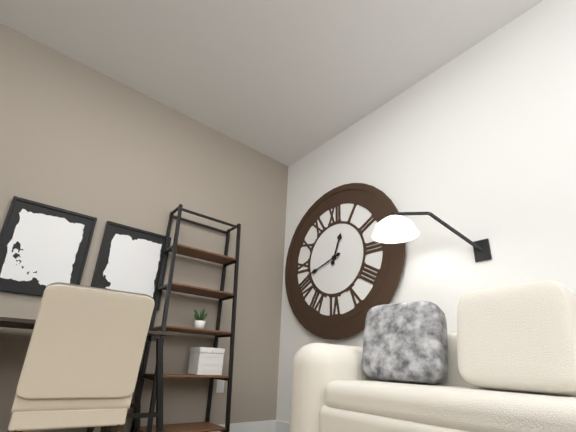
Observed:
12:42
